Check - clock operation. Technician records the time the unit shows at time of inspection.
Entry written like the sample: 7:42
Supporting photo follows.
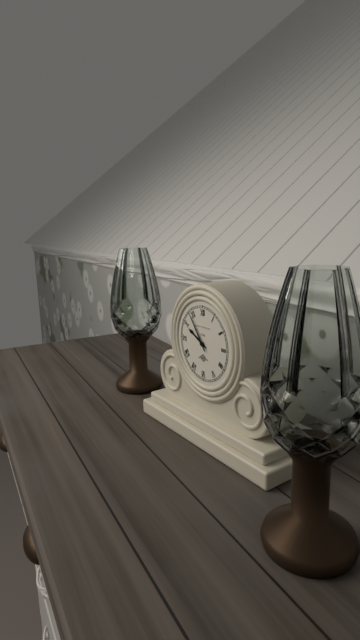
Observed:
9:54
